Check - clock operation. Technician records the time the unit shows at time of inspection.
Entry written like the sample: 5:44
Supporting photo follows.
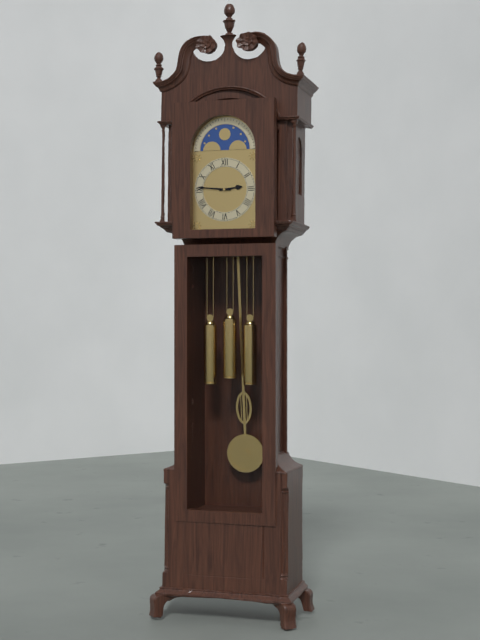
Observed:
2:46
